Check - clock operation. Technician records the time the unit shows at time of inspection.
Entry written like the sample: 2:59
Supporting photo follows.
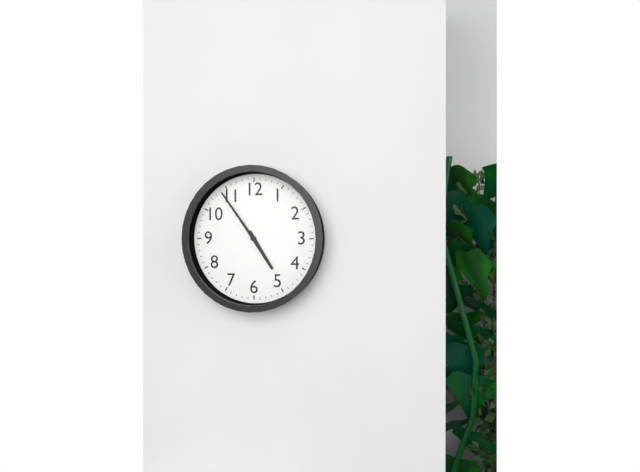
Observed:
4:54
